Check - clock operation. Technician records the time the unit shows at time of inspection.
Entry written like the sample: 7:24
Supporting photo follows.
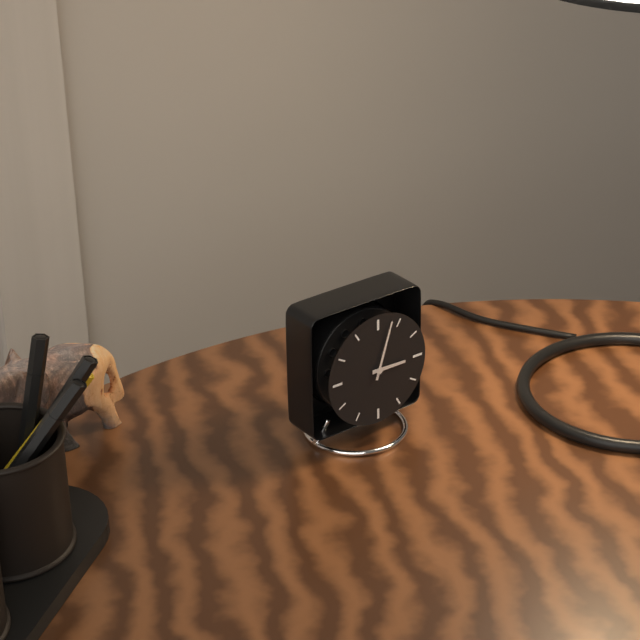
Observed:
3:03
